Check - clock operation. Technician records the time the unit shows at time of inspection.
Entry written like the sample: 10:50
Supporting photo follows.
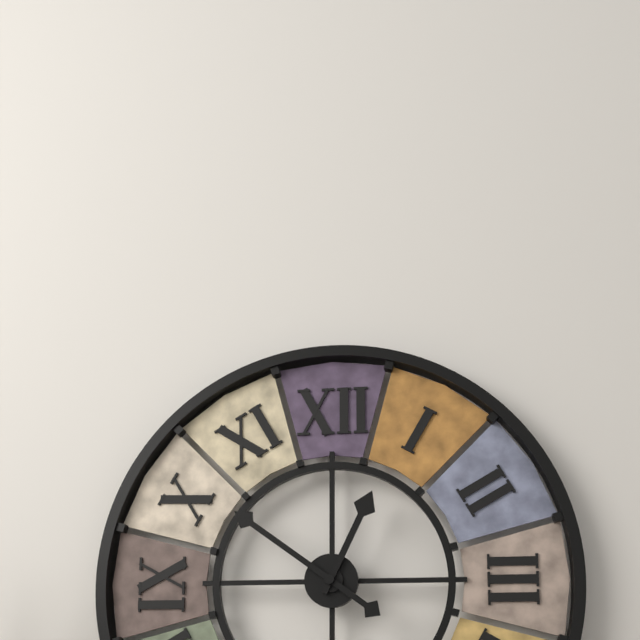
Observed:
12:51
